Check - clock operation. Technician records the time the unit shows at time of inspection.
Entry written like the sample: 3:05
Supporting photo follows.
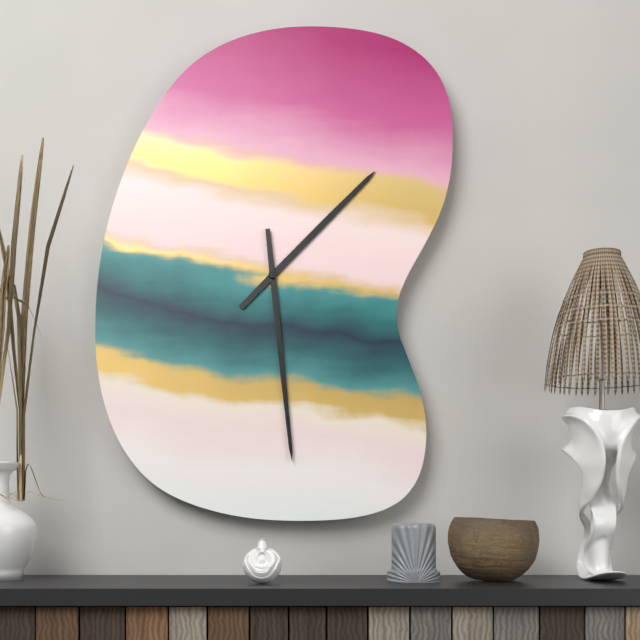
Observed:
1:29
